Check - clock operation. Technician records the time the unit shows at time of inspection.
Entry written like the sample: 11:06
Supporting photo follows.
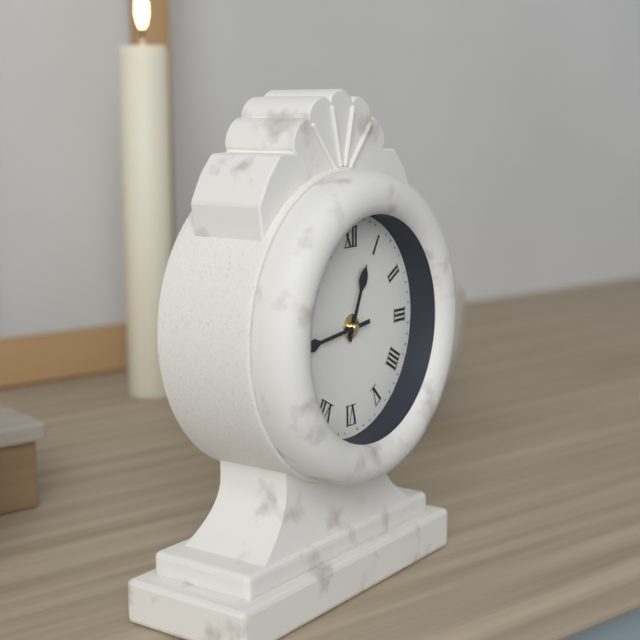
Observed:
12:44
